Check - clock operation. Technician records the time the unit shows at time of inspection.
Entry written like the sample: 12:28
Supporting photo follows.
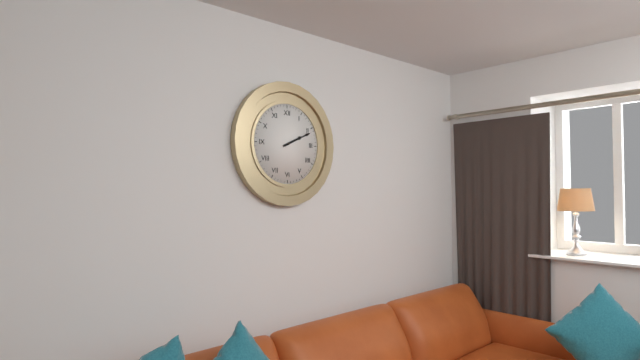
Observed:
2:11
